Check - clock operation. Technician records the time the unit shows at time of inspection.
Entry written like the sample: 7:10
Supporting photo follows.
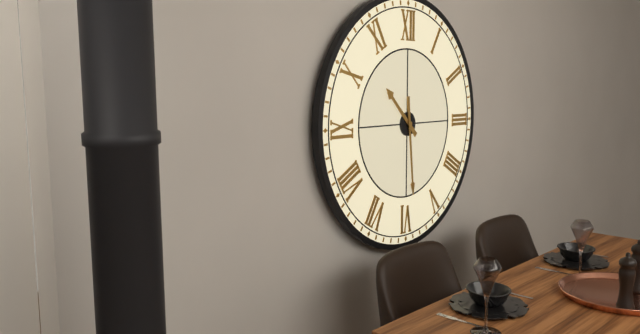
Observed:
10:29
